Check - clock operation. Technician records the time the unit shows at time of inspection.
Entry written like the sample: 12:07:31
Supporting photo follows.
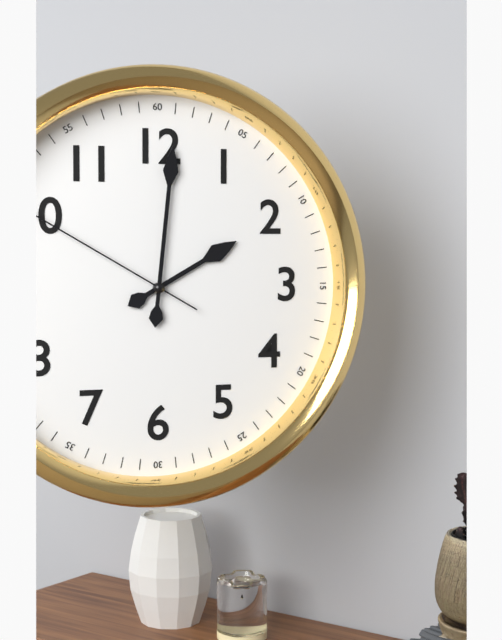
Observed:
2:01:50
